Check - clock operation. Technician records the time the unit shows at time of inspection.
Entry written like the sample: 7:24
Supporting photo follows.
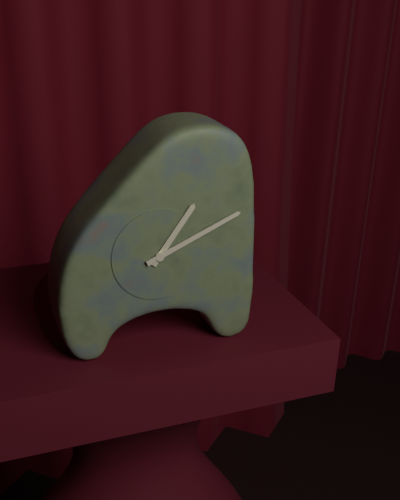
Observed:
1:11
